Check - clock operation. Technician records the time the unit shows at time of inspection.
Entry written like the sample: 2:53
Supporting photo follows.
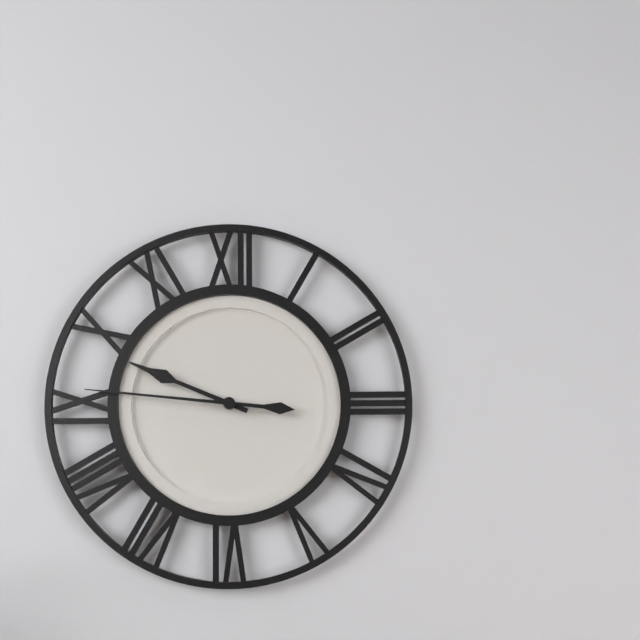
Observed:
9:46
